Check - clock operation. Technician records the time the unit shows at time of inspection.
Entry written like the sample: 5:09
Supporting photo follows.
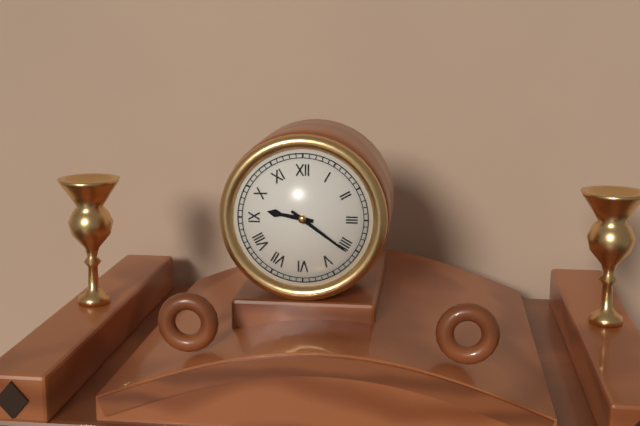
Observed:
9:21
